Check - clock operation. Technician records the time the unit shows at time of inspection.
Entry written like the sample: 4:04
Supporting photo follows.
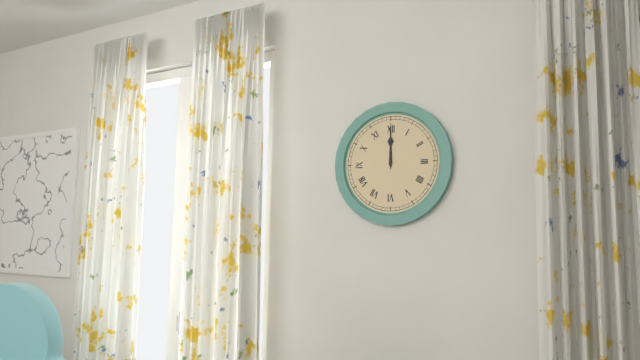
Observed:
12:00
